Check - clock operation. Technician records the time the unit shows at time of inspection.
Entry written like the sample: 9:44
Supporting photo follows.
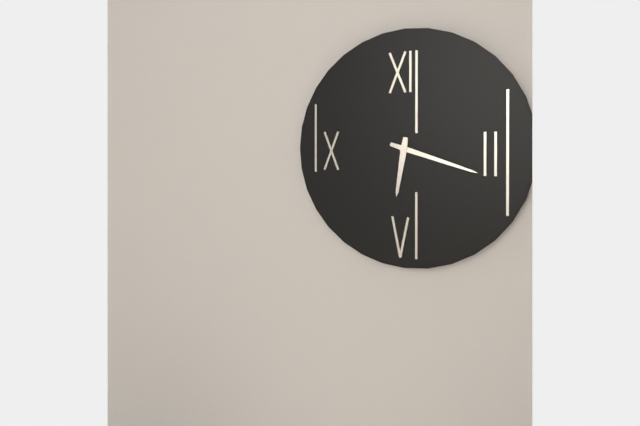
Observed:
6:18
